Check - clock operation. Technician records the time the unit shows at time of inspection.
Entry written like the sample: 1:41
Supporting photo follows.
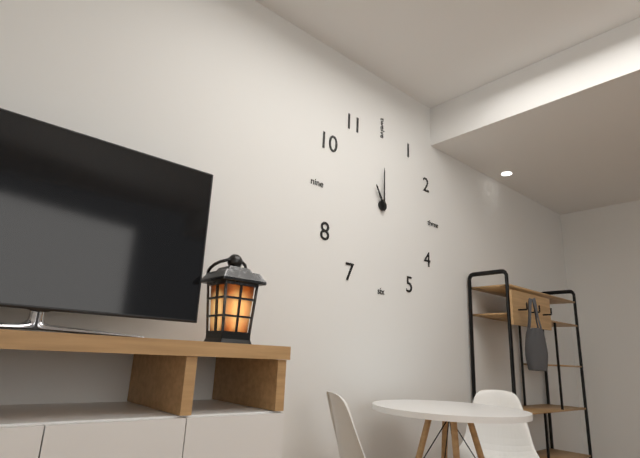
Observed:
11:00
